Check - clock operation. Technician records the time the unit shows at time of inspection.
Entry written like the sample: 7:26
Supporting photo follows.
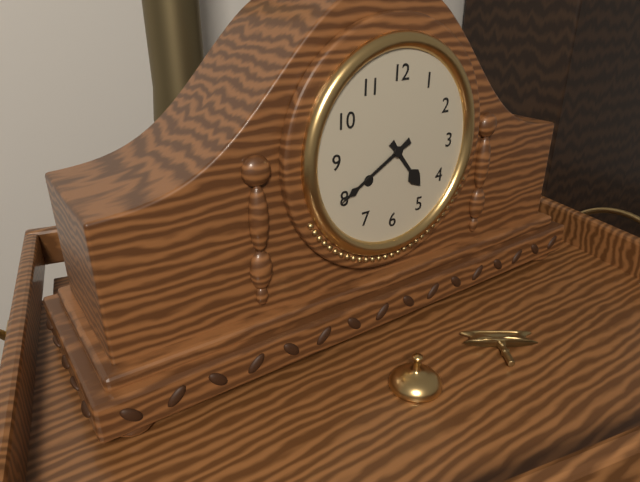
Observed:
4:40
